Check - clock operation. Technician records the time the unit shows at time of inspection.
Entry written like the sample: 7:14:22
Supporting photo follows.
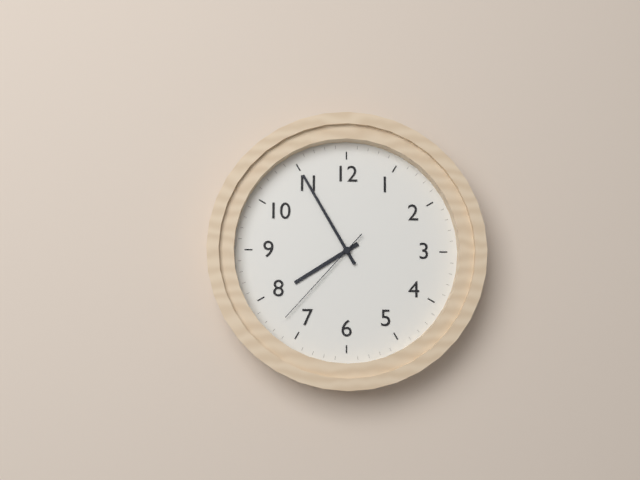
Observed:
7:55:37
